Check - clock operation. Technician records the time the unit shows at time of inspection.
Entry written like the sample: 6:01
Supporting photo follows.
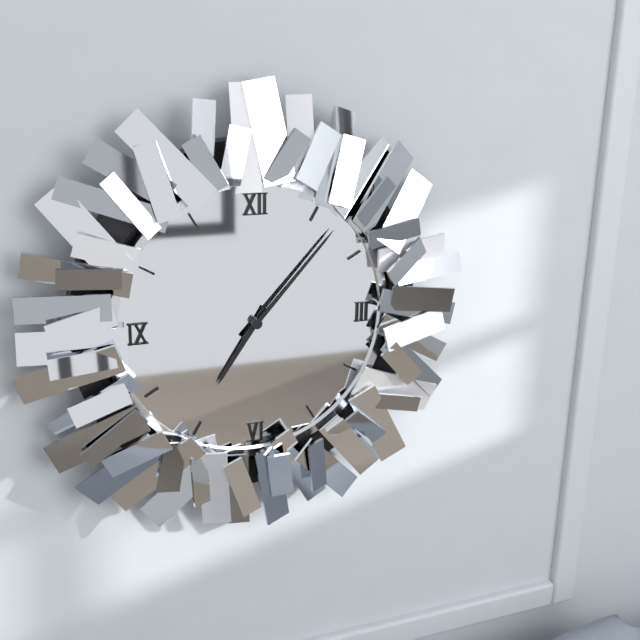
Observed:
7:07
